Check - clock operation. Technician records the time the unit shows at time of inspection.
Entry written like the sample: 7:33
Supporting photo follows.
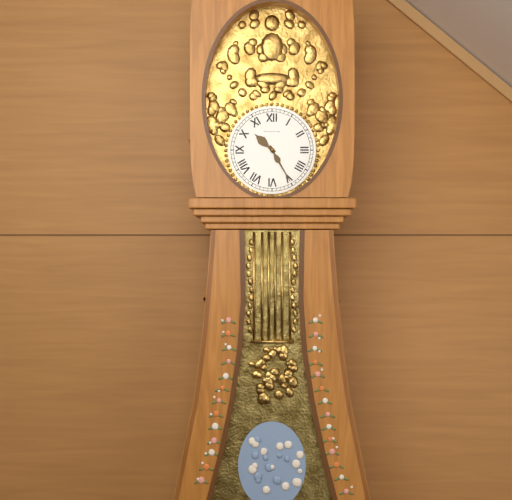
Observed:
10:25
